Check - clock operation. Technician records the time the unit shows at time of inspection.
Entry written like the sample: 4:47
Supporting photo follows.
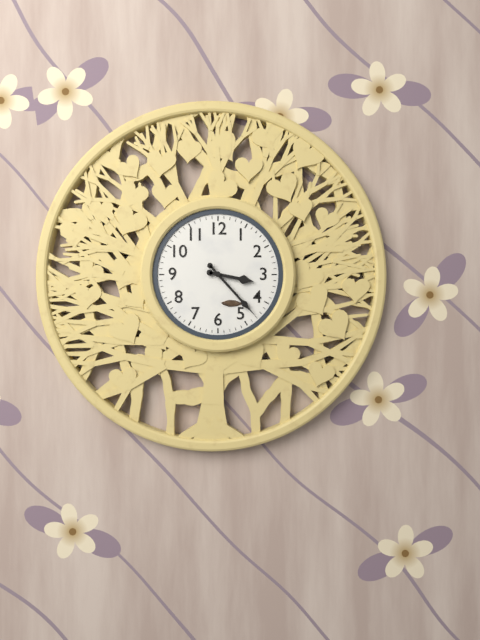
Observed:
3:23
